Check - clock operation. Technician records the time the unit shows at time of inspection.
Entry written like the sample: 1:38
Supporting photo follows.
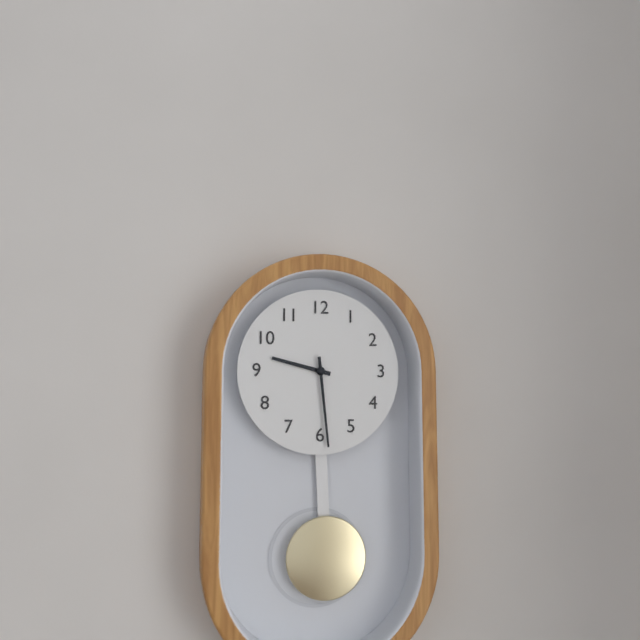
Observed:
9:29
